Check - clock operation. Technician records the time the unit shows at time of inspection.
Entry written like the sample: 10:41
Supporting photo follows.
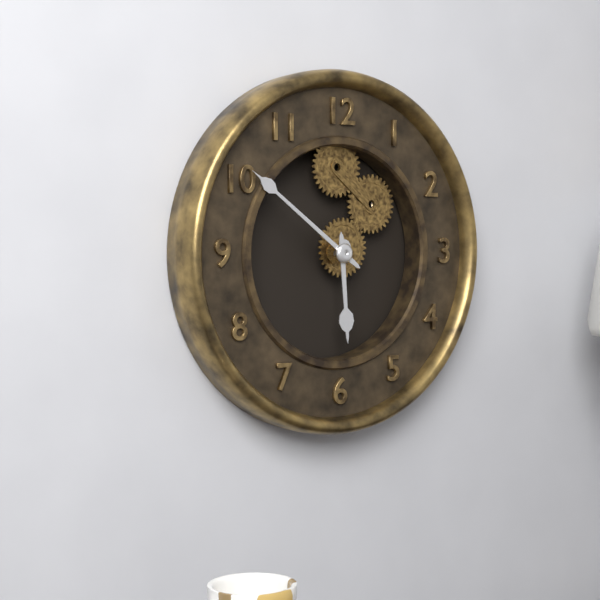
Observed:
5:51
